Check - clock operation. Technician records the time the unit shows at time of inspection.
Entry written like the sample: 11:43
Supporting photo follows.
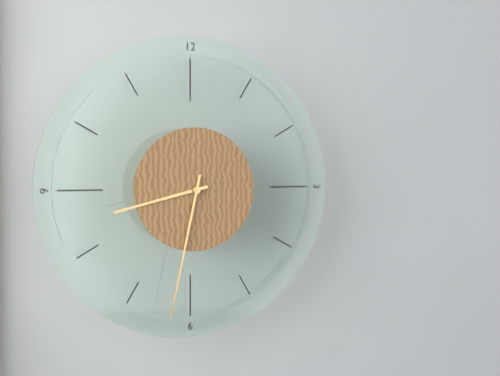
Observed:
8:32
